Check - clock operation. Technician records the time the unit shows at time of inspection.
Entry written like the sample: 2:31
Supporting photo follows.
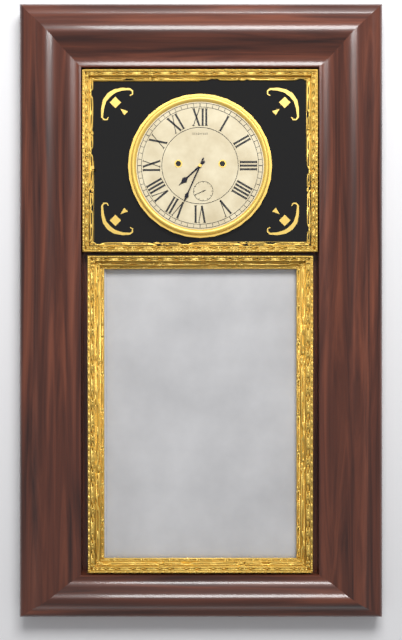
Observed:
7:34
